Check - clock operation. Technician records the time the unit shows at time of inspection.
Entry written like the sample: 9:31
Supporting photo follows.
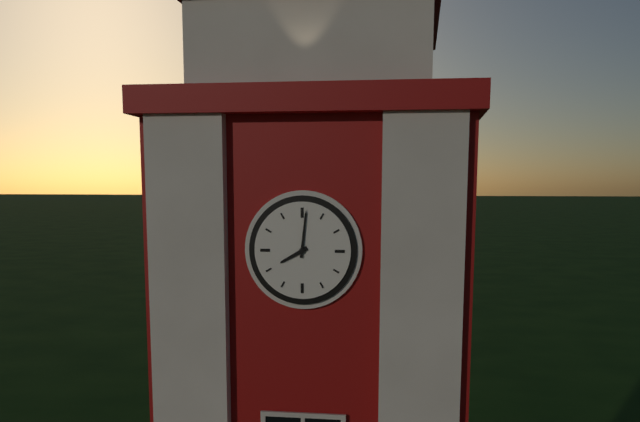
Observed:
8:01
